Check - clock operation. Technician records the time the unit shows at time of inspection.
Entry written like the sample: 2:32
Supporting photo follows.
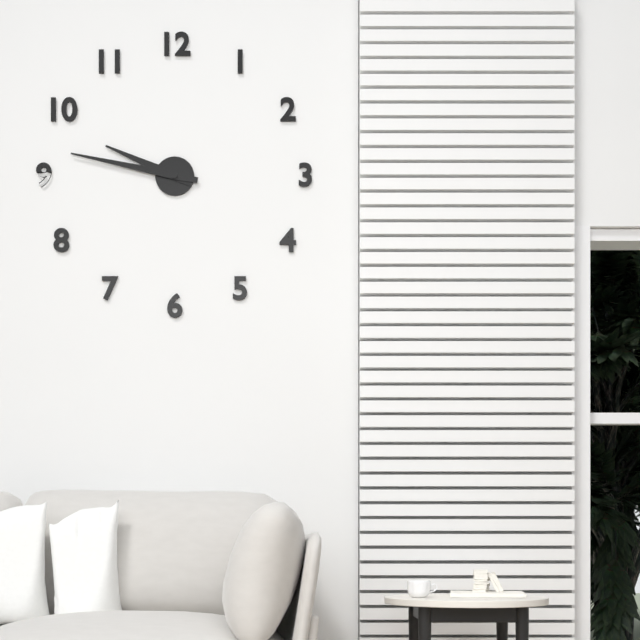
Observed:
9:47
